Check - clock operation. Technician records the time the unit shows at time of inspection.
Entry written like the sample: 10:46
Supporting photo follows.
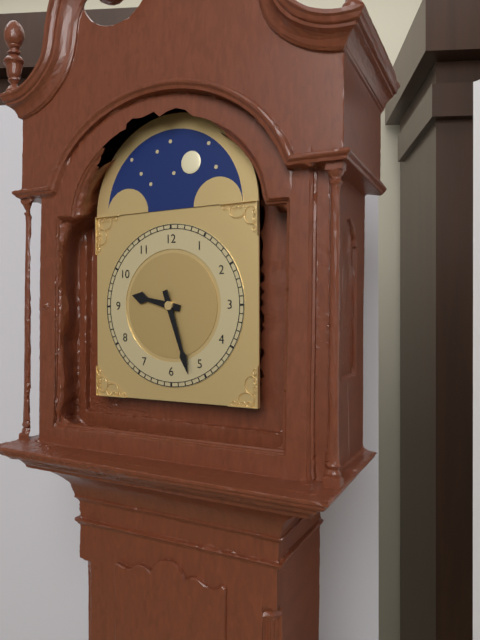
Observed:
9:27
